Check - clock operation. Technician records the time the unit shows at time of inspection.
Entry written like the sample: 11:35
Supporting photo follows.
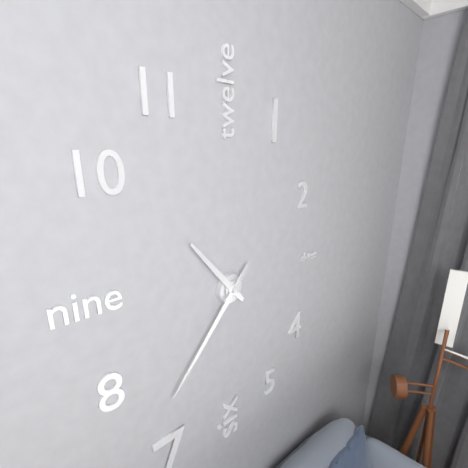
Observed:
10:37
